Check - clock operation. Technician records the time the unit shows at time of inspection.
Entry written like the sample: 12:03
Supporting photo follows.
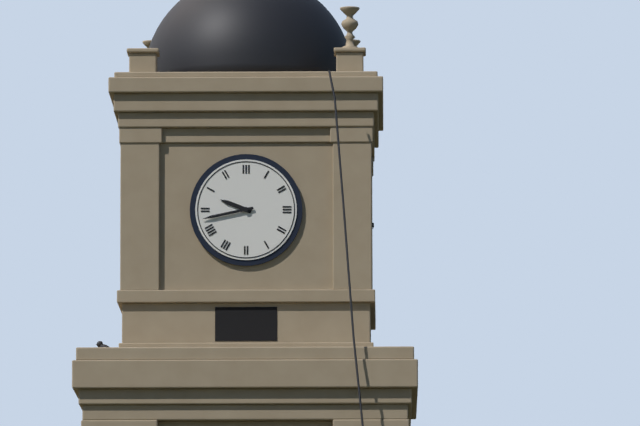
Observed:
9:43
